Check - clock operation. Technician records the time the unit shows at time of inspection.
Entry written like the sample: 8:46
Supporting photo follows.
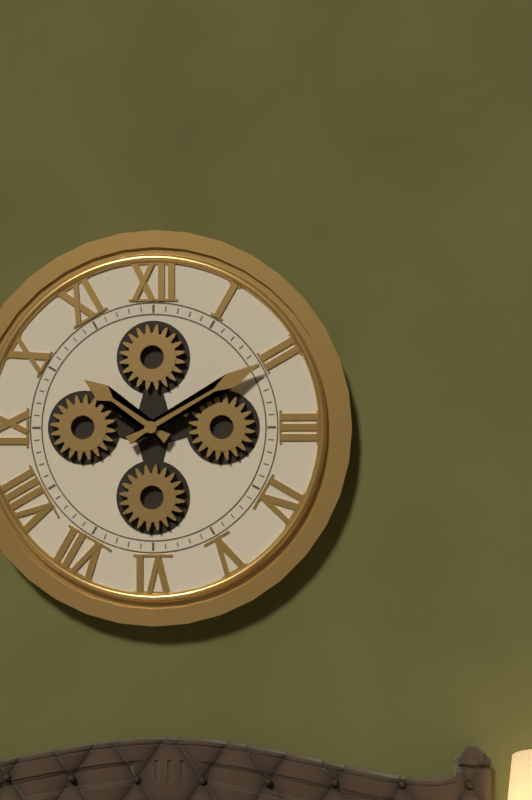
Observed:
10:10
